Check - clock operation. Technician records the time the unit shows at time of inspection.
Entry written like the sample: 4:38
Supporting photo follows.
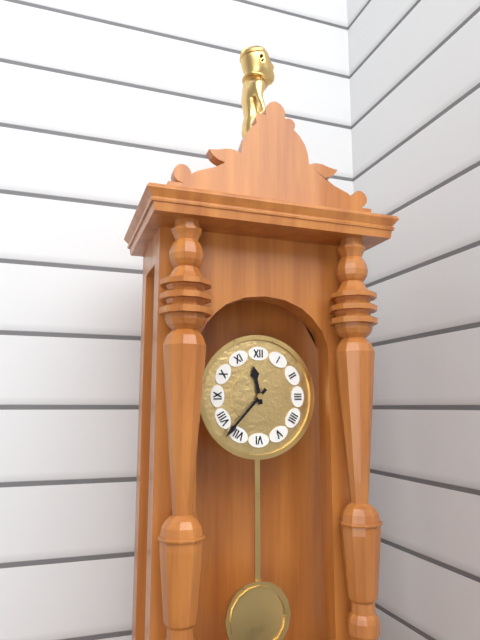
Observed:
11:37
